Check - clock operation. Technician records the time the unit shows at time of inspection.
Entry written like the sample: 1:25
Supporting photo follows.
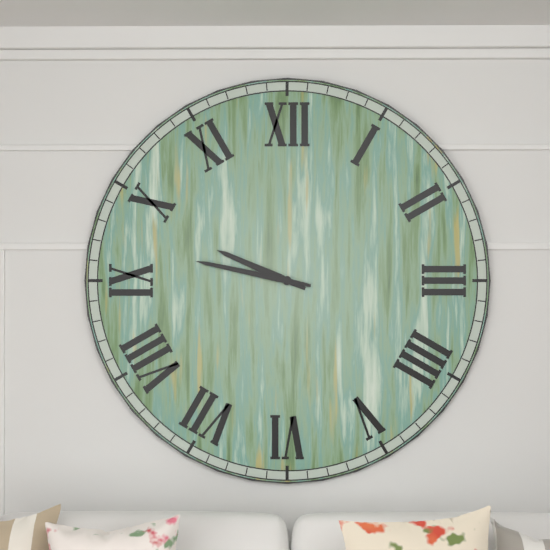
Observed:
9:47
